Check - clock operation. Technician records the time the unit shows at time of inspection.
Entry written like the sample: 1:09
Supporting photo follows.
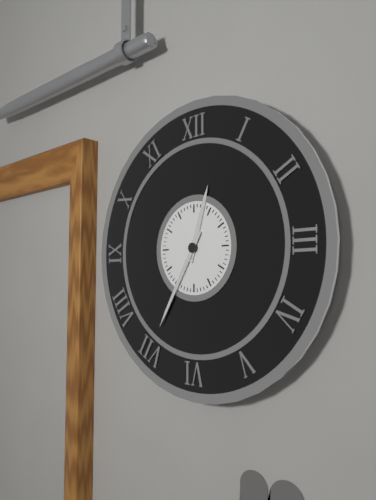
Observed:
12:35
